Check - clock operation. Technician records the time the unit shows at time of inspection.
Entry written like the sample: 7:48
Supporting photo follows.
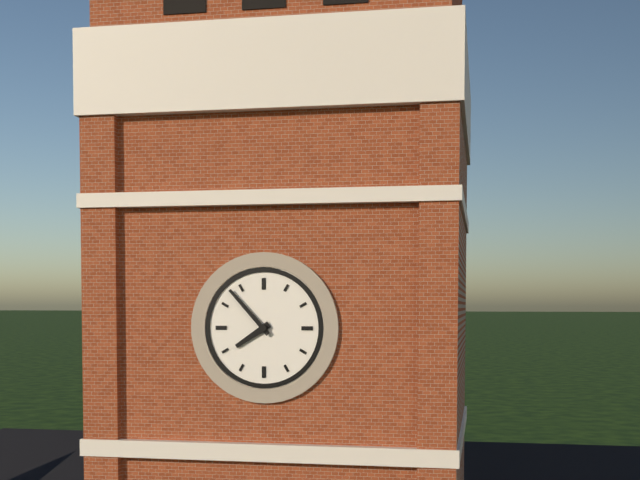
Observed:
7:53
